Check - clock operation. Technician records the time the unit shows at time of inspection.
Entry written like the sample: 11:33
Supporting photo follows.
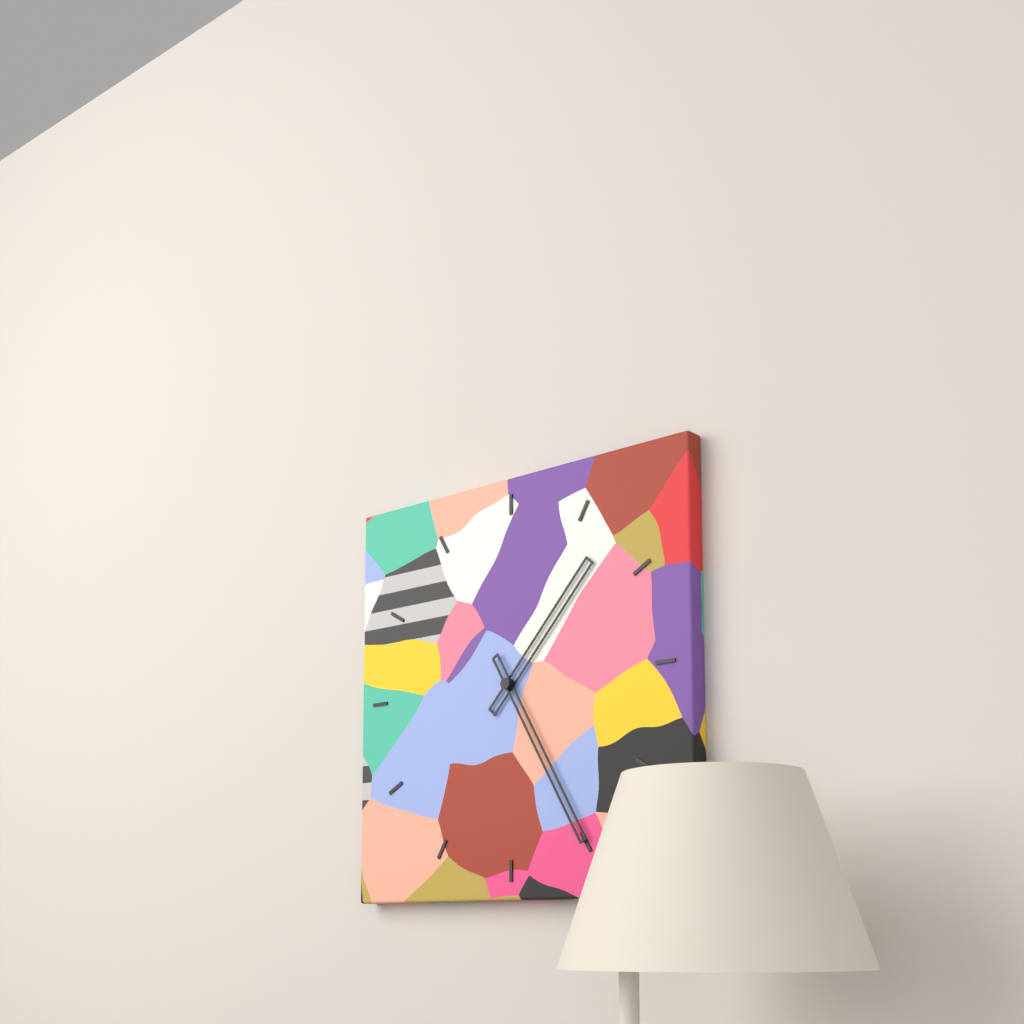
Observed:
1:25
